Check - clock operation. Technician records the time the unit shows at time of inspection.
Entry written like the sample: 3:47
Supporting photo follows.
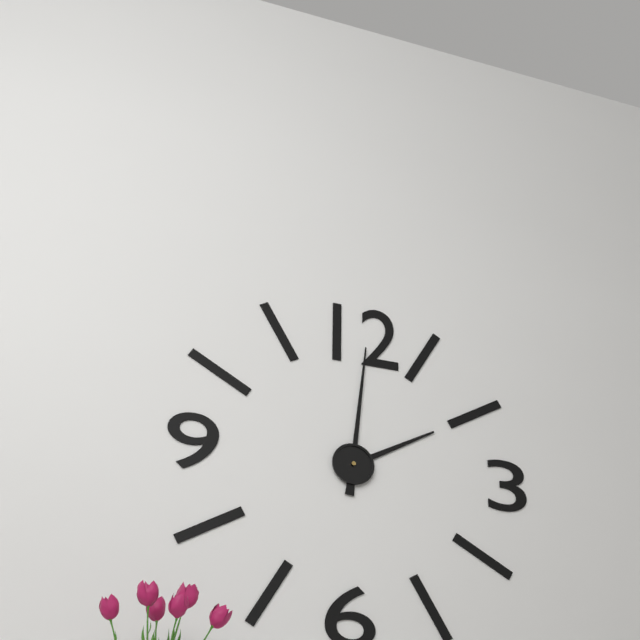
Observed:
2:01
